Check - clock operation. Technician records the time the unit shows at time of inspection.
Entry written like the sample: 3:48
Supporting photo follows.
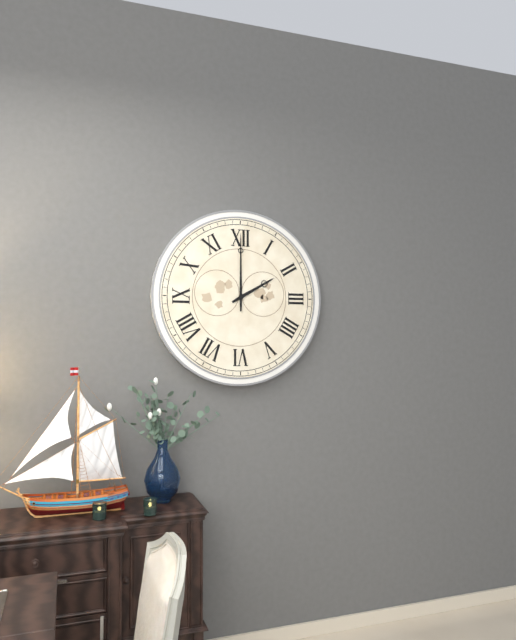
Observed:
2:00
